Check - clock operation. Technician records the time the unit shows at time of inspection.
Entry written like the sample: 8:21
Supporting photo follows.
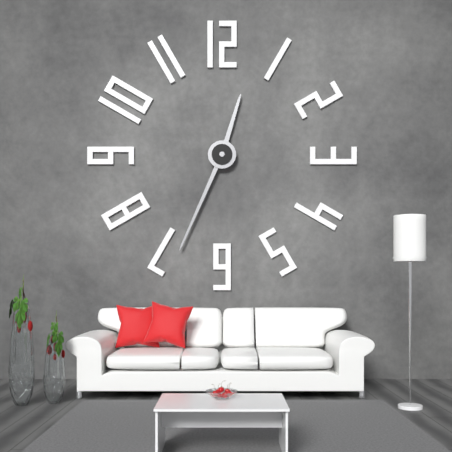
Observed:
12:34
